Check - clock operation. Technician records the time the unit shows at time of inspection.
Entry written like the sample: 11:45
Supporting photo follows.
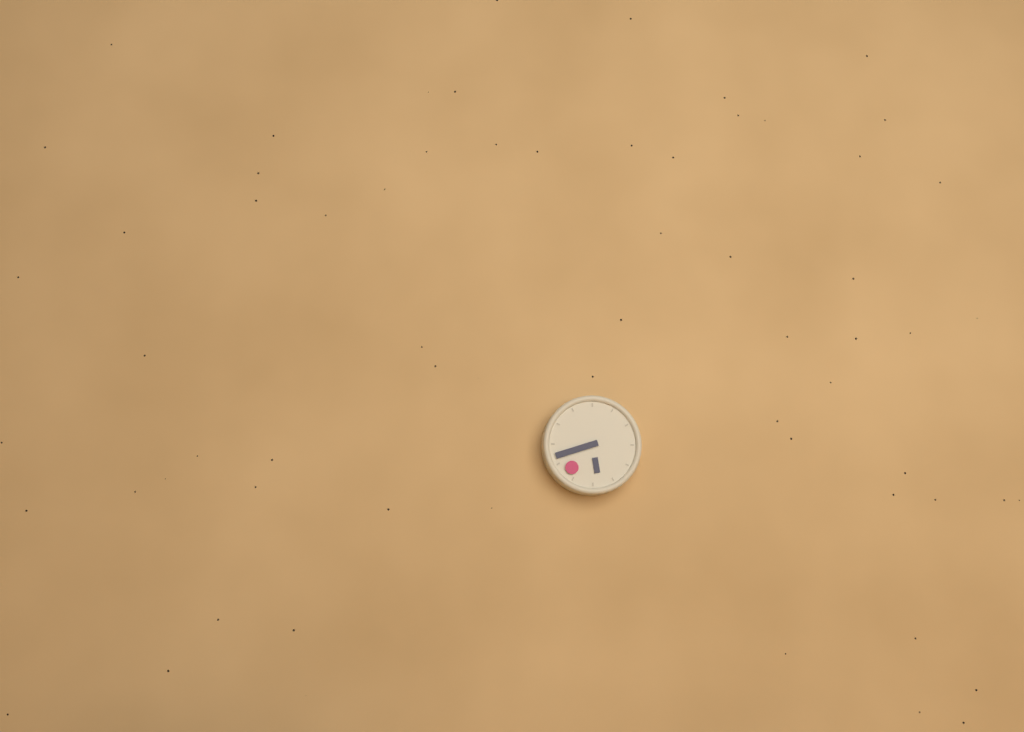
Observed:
5:42
